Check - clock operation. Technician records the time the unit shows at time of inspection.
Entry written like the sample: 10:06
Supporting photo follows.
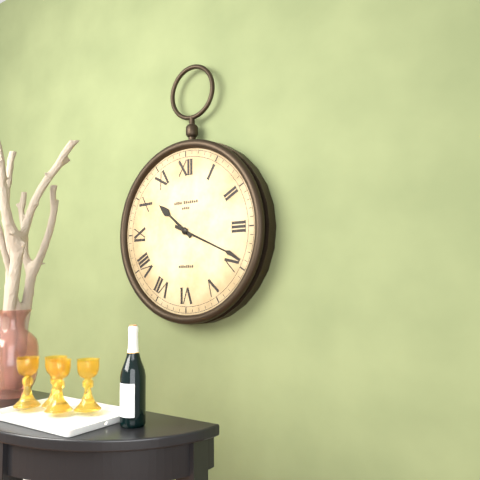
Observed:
10:19
